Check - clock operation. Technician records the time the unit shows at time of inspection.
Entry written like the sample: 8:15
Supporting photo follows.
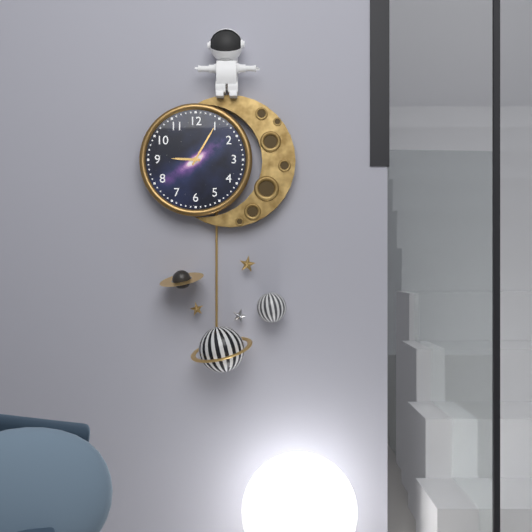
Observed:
9:05
